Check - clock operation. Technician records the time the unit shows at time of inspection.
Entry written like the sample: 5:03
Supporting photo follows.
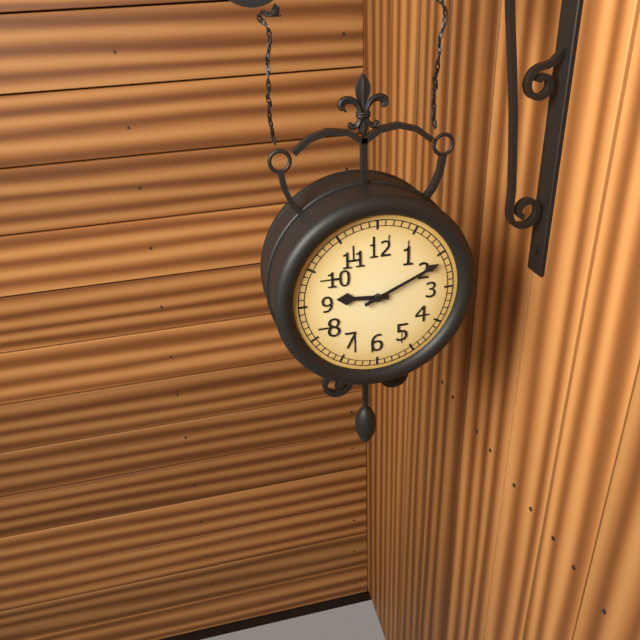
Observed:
9:11
